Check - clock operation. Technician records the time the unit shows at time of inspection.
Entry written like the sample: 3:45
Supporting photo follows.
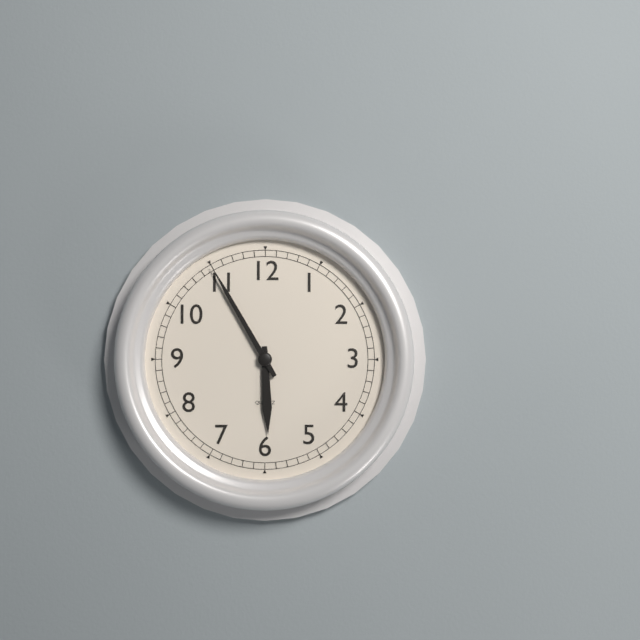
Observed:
5:55
